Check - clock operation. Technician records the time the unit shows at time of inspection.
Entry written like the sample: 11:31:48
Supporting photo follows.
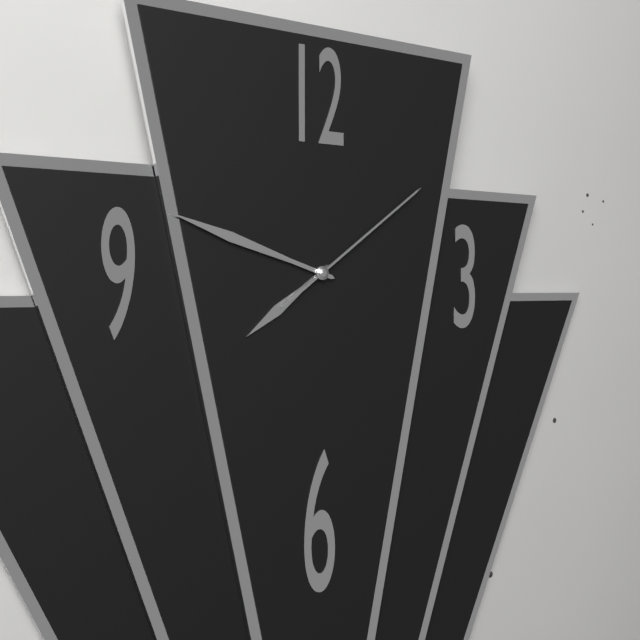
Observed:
7:48:09
